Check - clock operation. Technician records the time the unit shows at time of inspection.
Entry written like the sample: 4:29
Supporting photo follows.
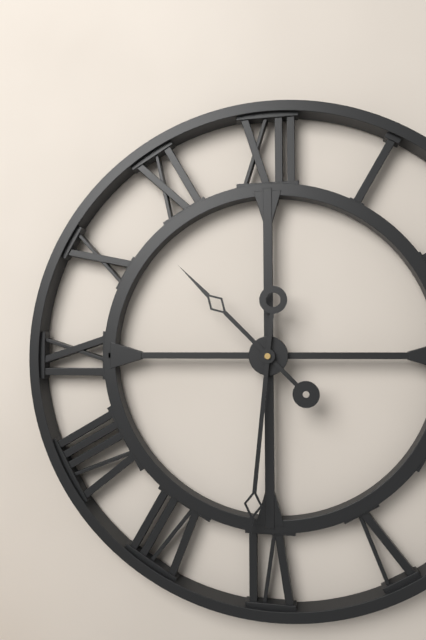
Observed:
10:31
